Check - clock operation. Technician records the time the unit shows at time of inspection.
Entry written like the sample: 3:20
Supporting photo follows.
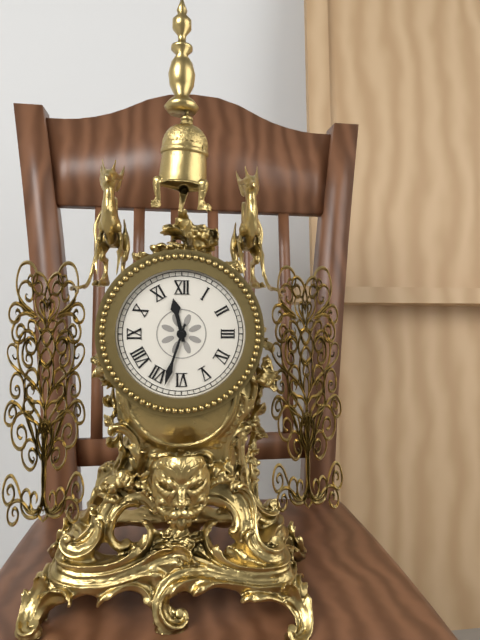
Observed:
11:33
